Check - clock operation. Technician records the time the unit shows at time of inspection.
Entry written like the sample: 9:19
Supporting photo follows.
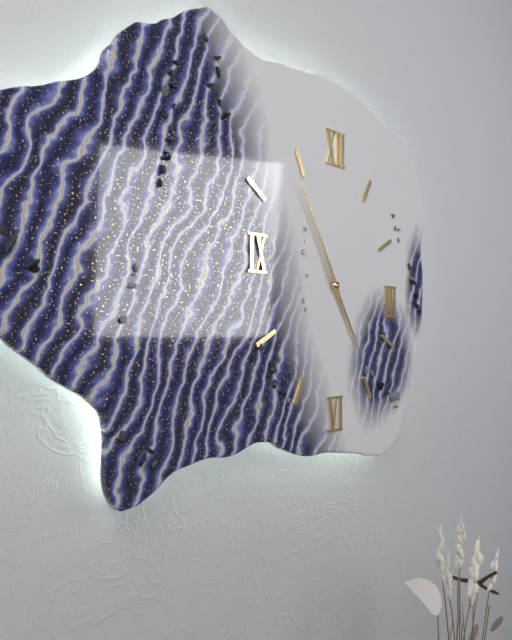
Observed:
4:55
